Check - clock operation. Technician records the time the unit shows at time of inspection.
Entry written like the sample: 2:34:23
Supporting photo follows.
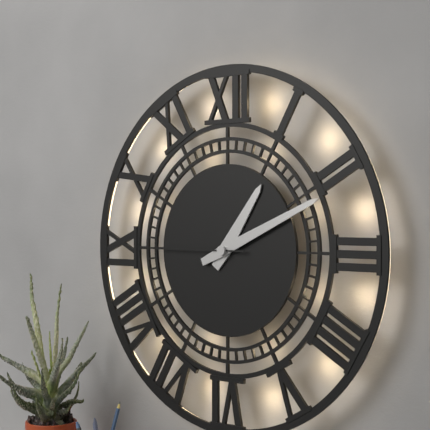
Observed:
1:11:45
